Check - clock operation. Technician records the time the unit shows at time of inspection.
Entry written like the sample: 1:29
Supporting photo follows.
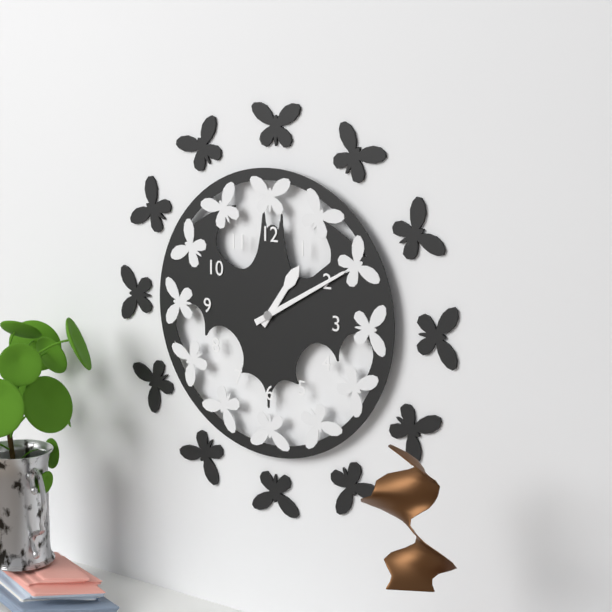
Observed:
1:10
